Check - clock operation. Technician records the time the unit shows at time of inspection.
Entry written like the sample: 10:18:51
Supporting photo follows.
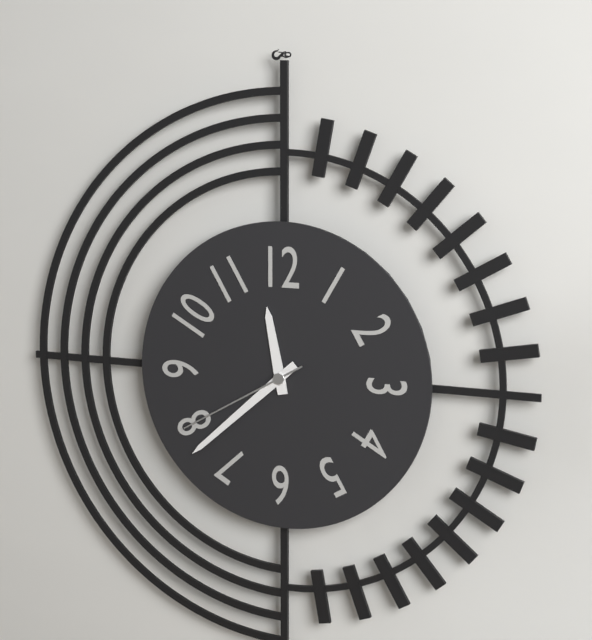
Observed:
11:38:40
